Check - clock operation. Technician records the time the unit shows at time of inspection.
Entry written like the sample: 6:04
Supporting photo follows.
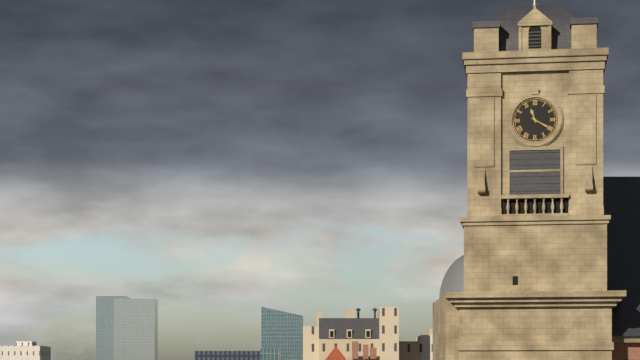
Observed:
11:20
